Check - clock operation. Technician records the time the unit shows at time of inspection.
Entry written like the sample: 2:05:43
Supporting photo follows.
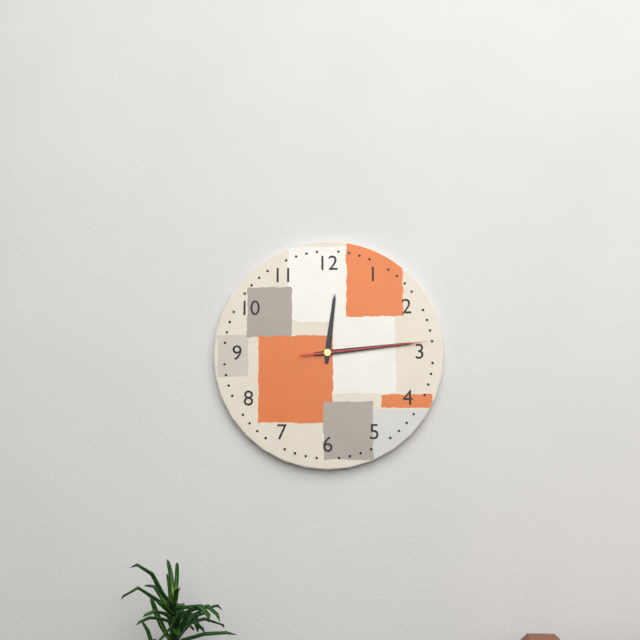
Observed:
12:14:14
